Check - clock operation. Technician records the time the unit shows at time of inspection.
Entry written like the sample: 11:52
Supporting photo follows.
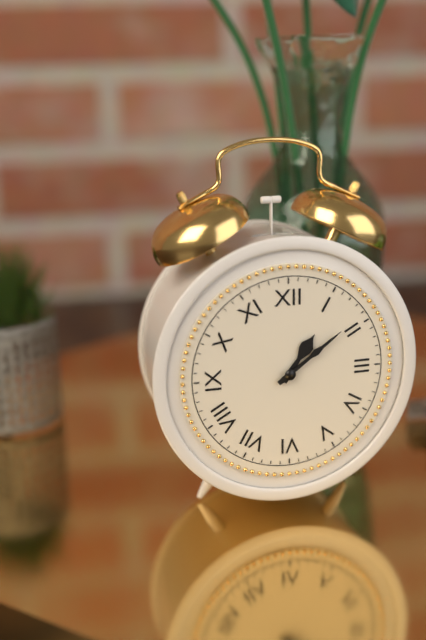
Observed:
1:09
